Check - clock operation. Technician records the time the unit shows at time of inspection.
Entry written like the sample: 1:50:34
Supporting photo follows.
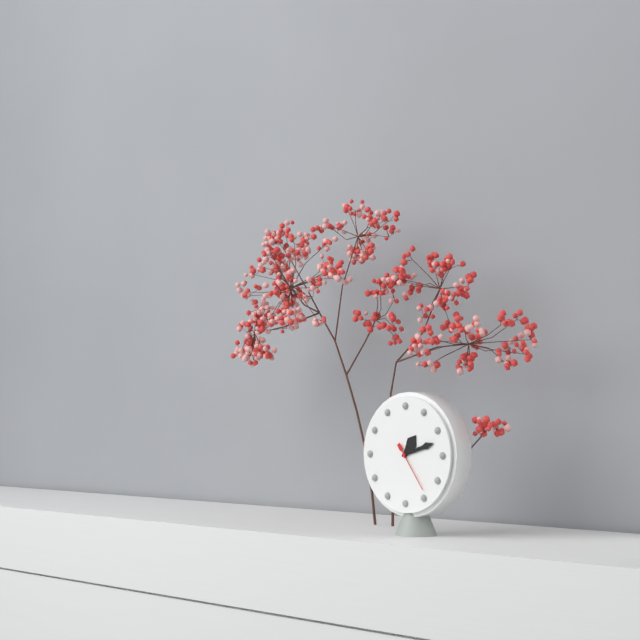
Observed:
1:12:24
